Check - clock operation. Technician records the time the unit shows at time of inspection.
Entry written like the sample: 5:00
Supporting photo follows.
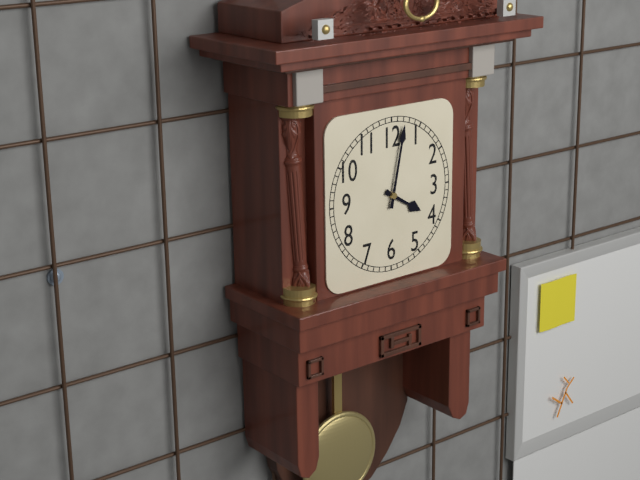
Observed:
4:02
